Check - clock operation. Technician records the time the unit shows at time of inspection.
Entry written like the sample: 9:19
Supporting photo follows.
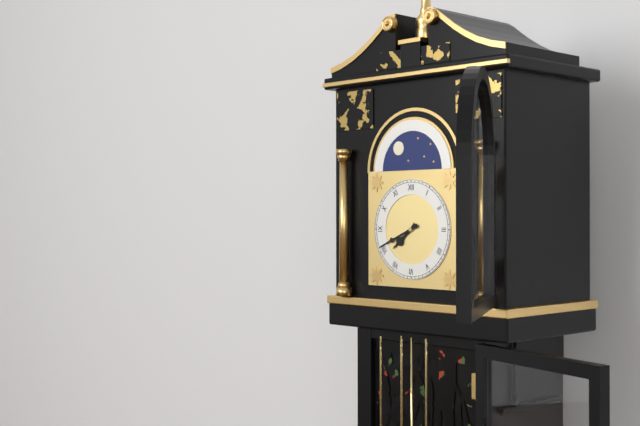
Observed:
7:41
